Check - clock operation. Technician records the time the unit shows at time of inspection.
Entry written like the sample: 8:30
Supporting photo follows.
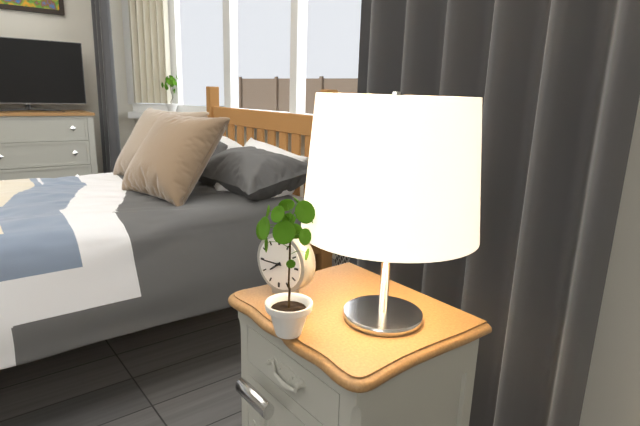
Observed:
7:45
